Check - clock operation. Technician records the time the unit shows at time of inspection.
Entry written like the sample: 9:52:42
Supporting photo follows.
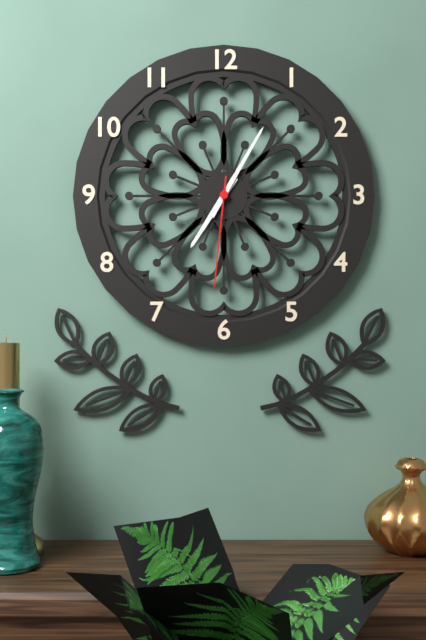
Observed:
7:05:31
